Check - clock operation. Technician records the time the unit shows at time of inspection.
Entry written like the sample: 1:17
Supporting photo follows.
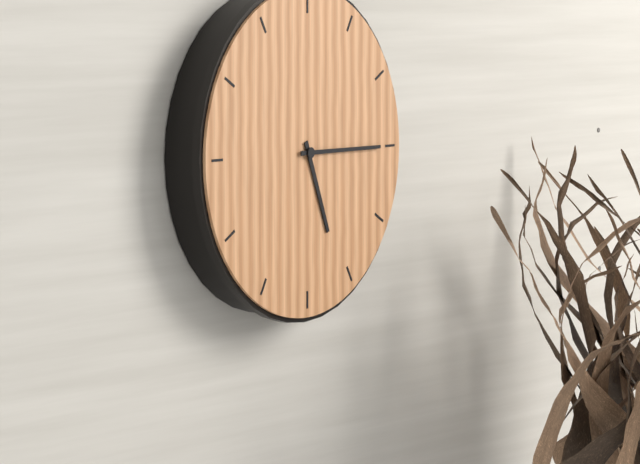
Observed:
5:15
